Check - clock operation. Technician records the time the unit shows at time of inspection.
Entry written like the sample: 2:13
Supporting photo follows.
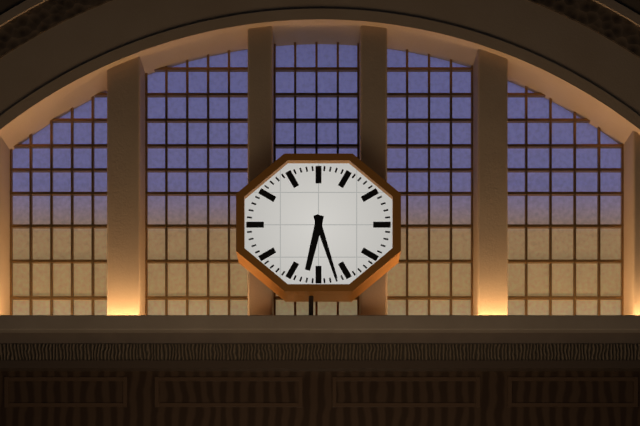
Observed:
6:27
